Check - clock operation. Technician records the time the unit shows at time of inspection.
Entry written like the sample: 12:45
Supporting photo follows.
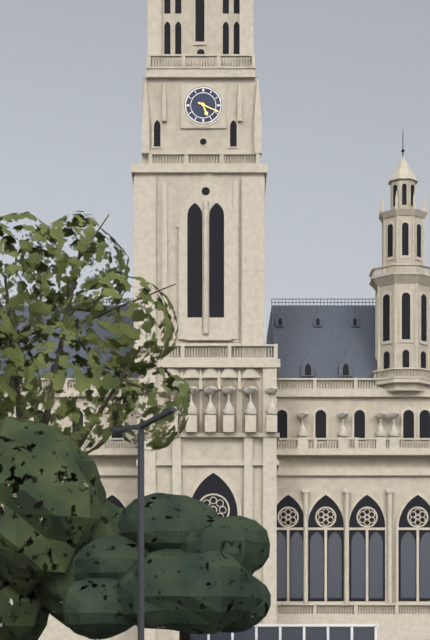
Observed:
5:19
